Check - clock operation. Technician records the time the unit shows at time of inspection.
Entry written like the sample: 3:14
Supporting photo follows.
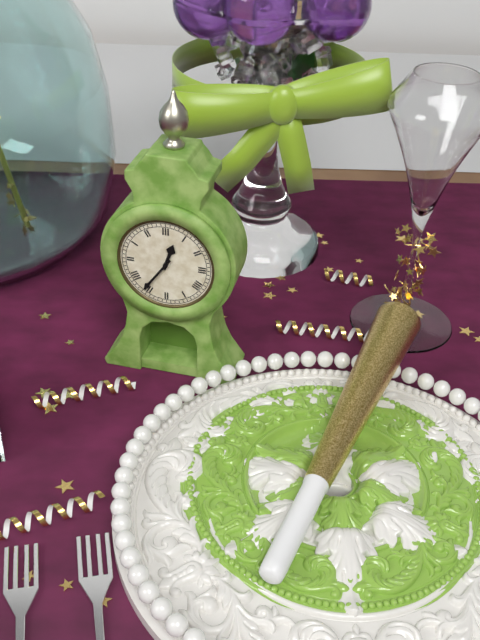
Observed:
12:36
